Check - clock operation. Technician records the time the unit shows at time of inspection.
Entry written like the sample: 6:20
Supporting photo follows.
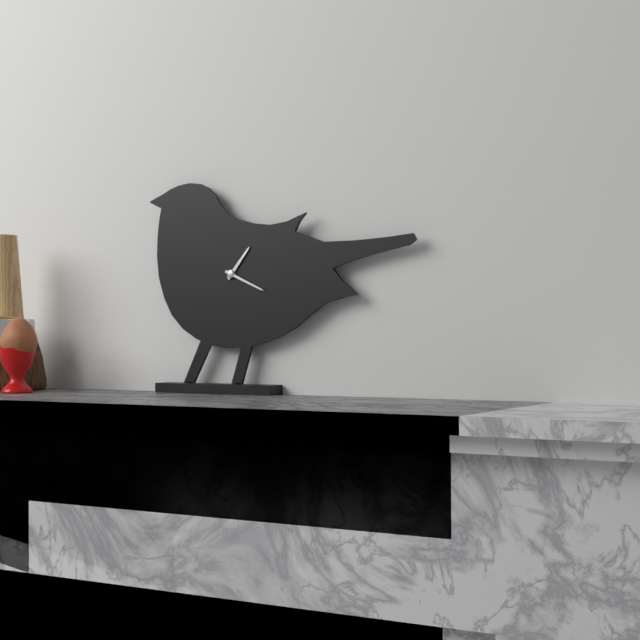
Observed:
1:19
